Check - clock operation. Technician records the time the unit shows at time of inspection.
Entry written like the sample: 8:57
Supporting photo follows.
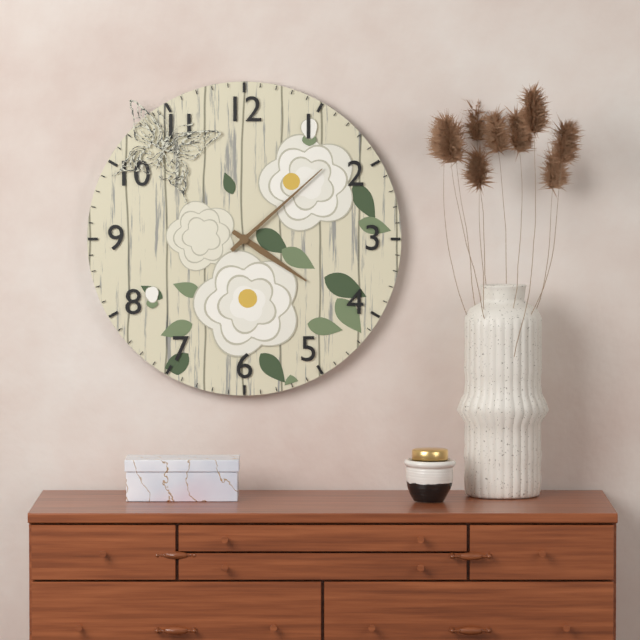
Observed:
4:08
